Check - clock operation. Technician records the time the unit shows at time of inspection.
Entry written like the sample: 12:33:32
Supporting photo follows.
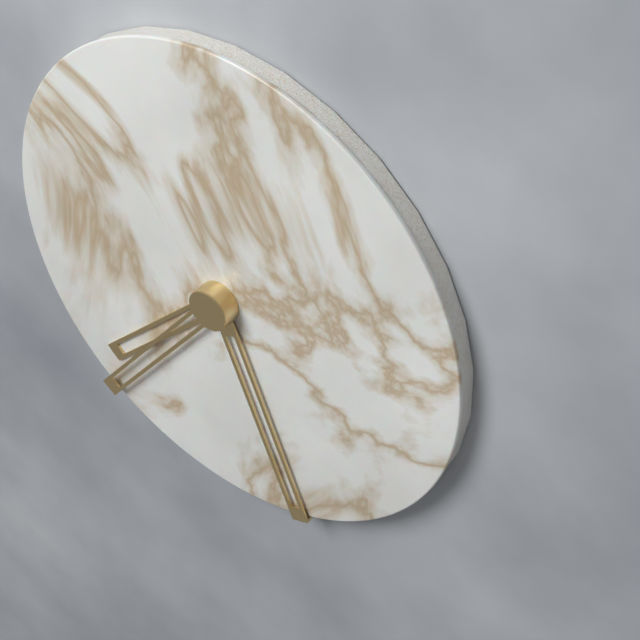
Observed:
7:26:36
